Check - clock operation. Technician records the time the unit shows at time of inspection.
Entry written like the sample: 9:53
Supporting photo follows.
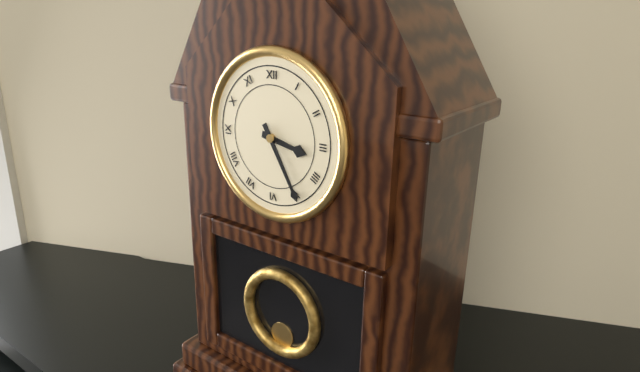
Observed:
3:25
